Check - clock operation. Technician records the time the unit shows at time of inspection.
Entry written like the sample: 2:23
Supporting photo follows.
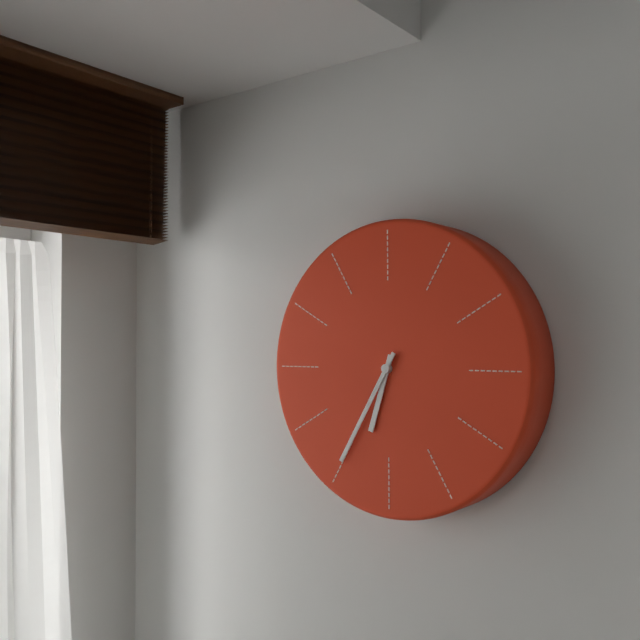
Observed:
6:35
